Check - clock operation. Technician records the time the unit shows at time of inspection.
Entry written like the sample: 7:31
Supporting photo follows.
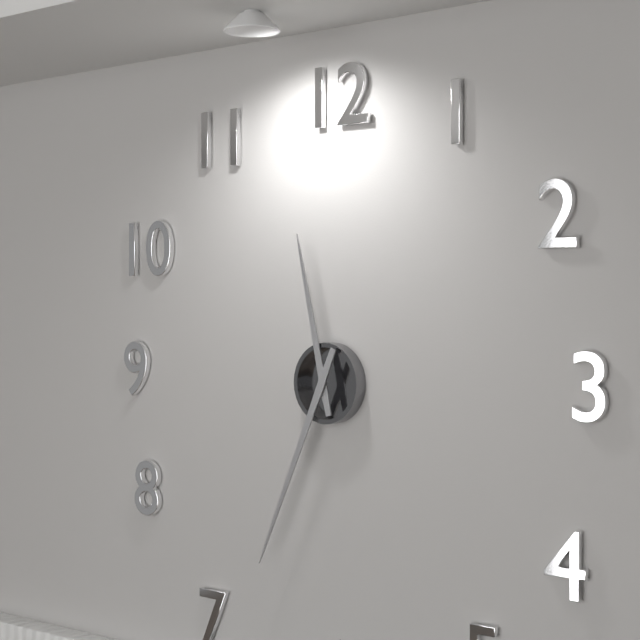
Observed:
11:34
